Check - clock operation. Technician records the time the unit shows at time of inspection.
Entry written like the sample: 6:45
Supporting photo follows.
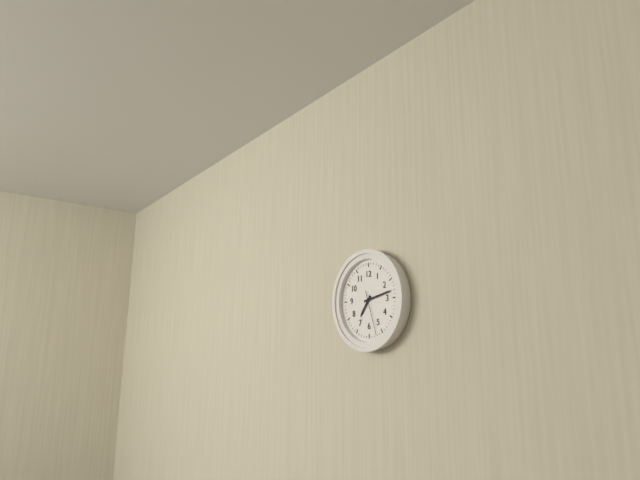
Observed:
7:13
